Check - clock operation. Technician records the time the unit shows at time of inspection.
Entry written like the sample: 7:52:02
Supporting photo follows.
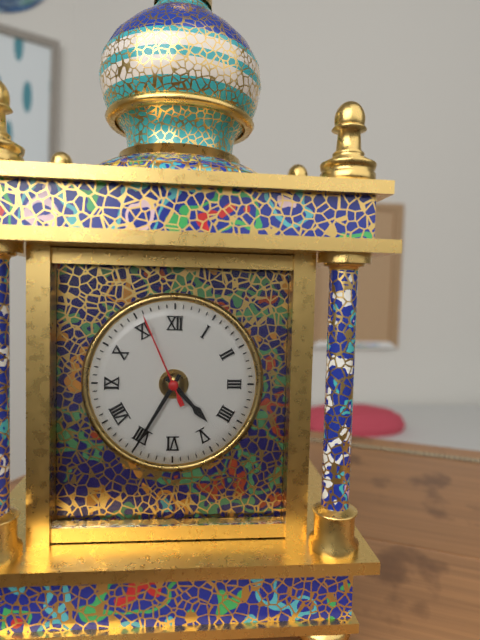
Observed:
4:35:56
